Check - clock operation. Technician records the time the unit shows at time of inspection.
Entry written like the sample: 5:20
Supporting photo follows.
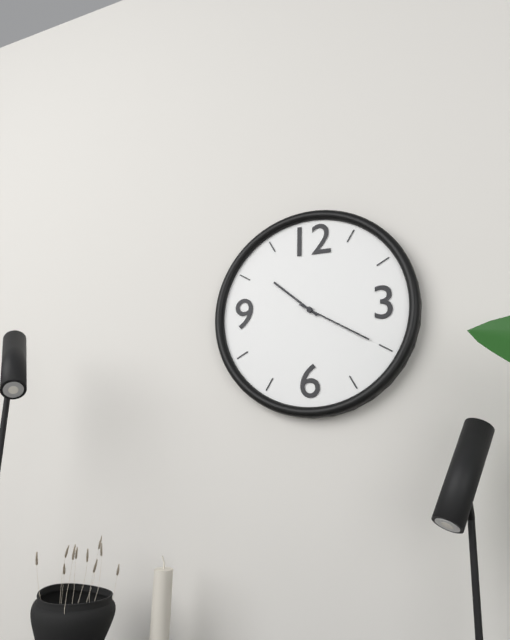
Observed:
10:20
